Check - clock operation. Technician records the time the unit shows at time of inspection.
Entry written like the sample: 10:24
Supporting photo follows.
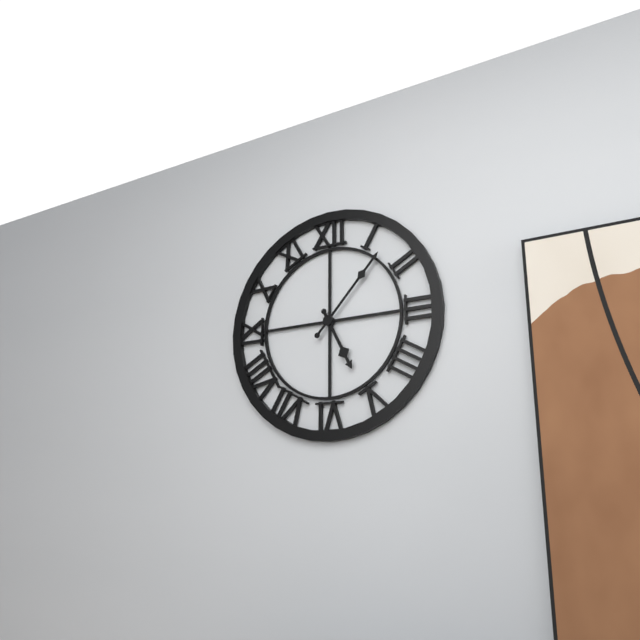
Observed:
5:07
